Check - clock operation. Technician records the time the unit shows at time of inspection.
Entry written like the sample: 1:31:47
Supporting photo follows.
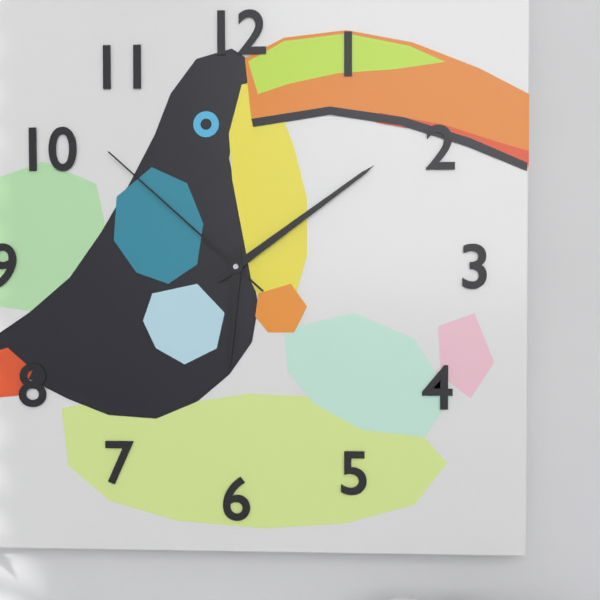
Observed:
6:09:52
